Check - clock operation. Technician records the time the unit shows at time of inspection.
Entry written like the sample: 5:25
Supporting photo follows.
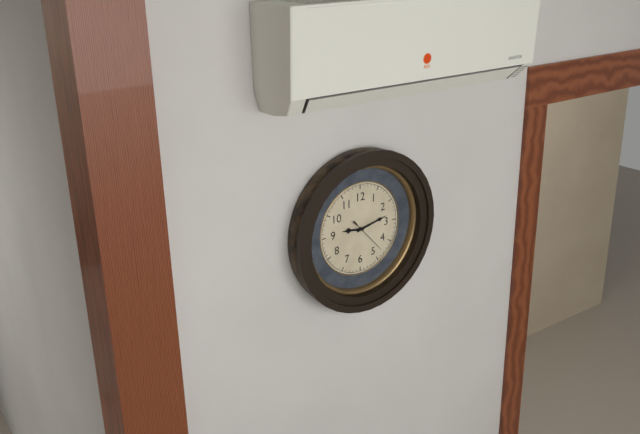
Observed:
9:13
